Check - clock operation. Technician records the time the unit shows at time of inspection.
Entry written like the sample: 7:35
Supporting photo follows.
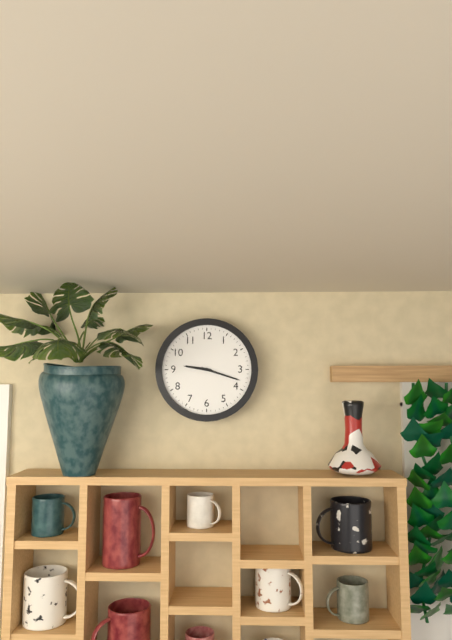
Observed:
9:18
